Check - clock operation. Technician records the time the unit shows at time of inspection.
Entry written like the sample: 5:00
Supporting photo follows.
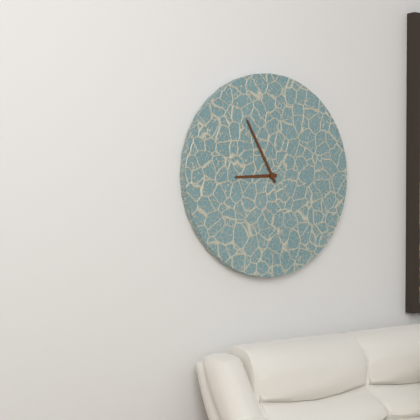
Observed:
8:55
